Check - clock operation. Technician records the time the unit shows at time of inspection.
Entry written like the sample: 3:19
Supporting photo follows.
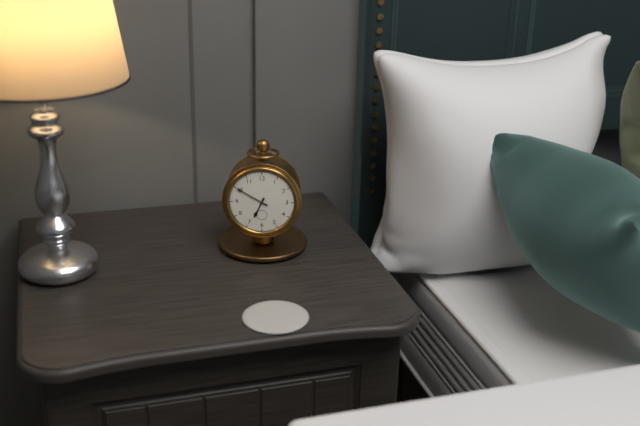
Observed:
6:50
